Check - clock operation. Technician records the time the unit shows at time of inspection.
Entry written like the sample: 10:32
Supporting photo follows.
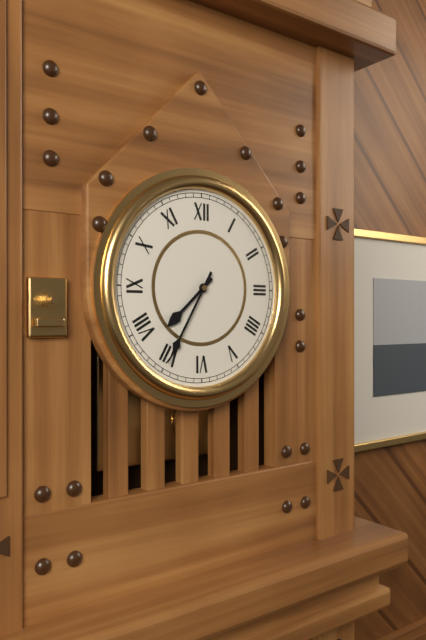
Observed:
7:35
